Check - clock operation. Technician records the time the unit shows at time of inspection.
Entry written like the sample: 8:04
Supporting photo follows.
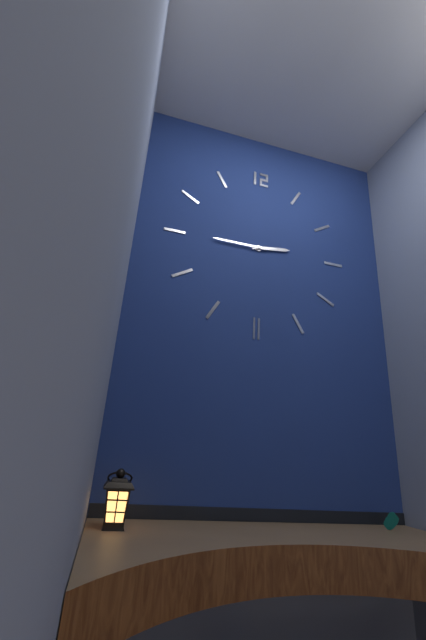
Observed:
2:45
